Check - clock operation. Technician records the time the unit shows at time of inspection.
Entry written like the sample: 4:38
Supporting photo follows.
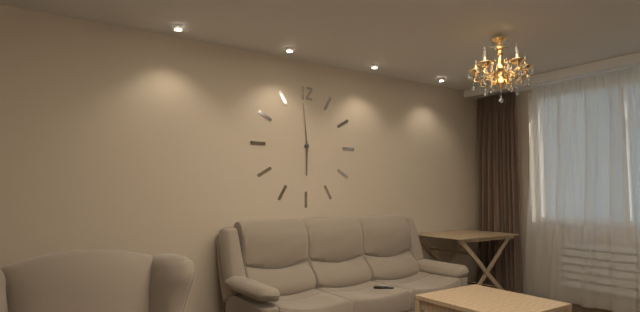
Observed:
5:59
